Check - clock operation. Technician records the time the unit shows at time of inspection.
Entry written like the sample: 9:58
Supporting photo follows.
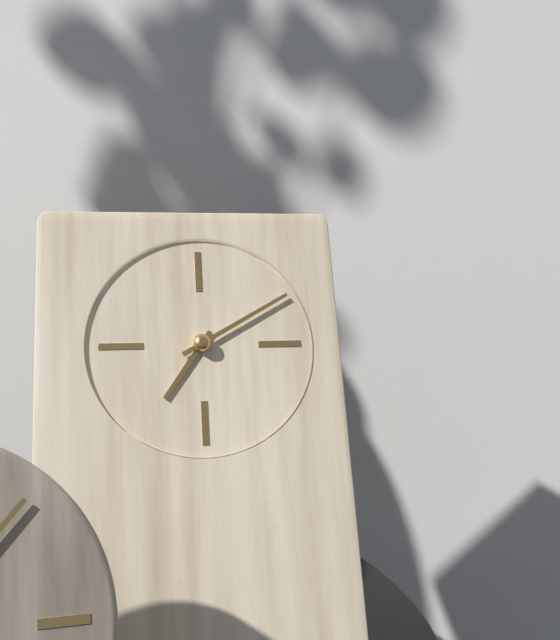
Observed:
7:10
